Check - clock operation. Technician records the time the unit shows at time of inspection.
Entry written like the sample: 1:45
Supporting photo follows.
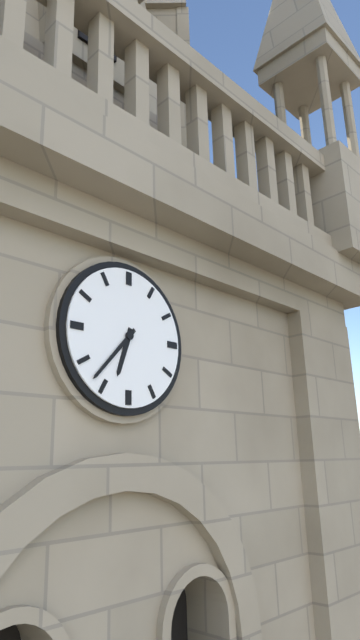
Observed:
6:37
